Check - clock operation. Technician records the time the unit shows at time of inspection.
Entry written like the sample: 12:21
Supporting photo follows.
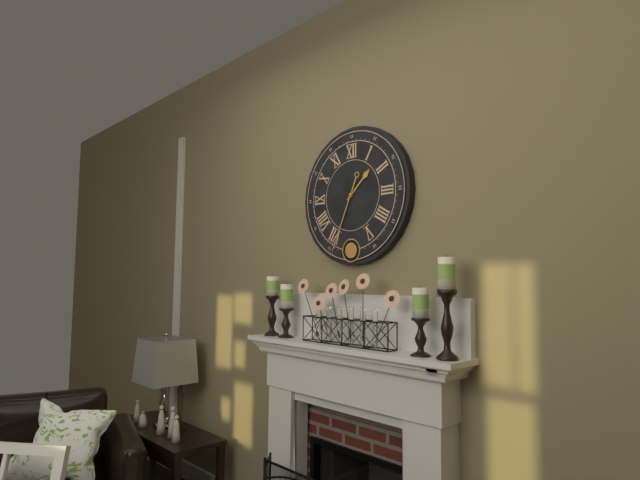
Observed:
1:34
